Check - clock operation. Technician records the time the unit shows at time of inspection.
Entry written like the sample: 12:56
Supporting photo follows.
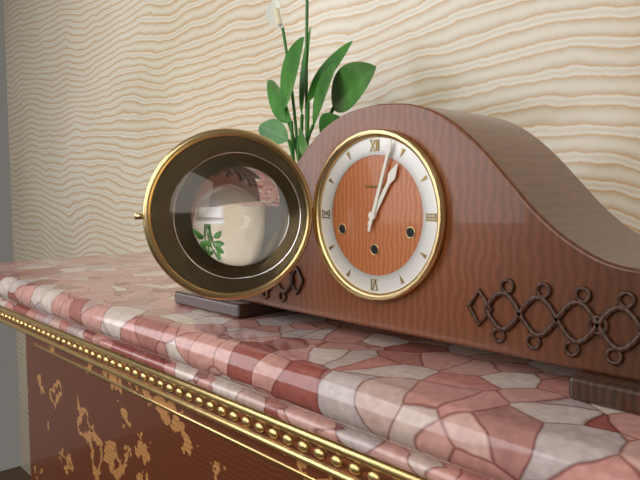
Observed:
1:03
